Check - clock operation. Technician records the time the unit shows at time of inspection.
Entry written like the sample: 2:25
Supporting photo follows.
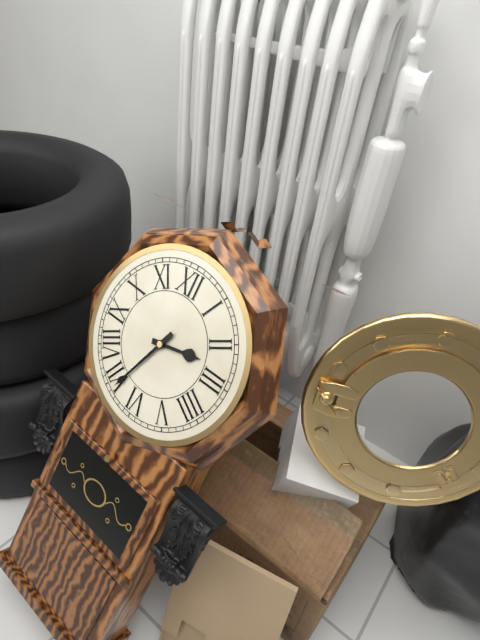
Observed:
2:34
